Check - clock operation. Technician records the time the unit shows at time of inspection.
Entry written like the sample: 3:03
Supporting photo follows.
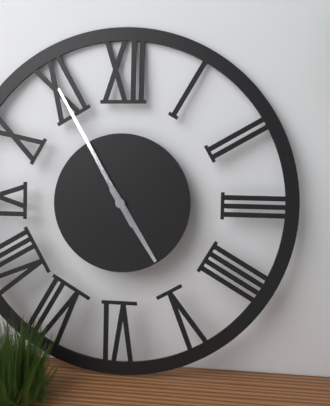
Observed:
4:55
